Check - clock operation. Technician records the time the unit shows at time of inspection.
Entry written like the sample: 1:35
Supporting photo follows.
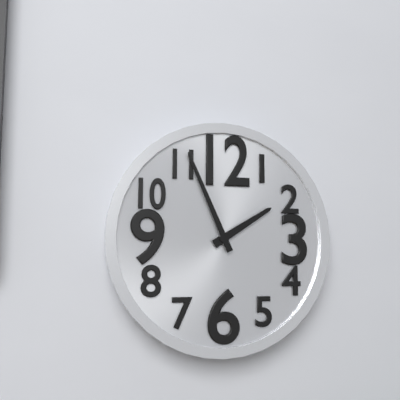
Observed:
1:56
